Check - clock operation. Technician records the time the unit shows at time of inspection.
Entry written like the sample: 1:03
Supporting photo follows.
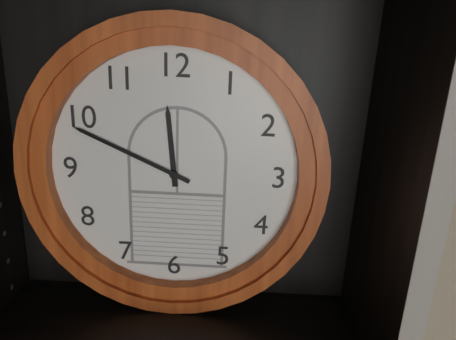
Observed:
11:49
